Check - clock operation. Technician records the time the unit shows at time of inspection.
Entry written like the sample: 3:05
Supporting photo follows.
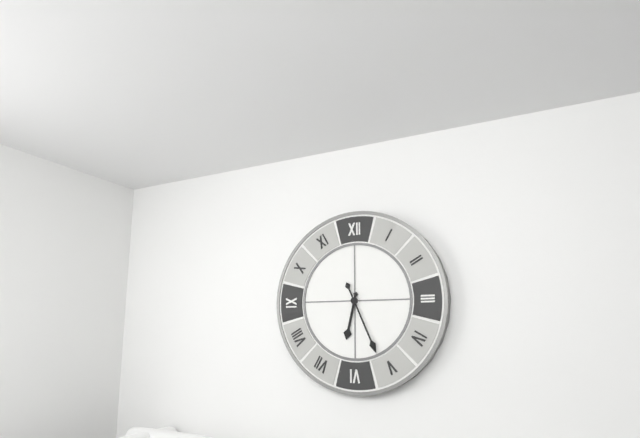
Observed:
6:26
